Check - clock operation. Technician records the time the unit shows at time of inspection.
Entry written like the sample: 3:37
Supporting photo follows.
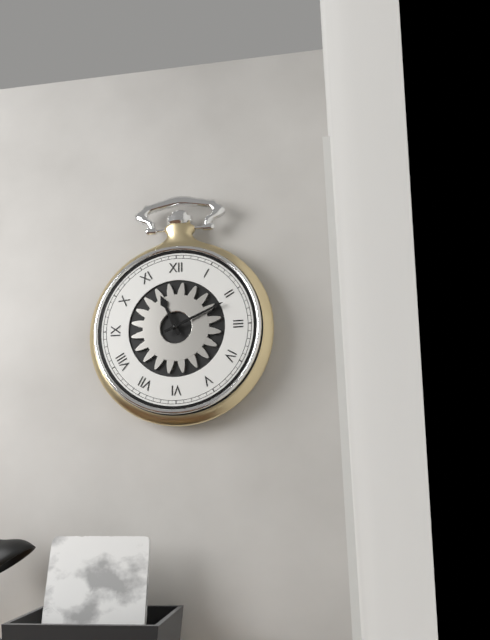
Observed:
11:11
